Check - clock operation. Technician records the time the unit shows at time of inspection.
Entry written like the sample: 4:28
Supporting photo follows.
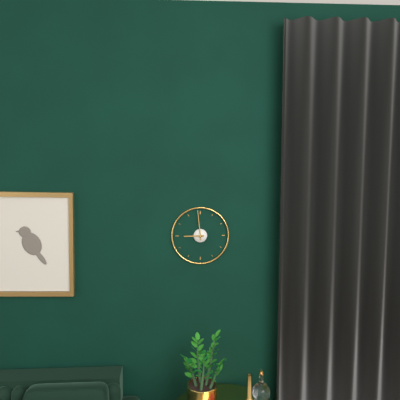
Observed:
8:59
